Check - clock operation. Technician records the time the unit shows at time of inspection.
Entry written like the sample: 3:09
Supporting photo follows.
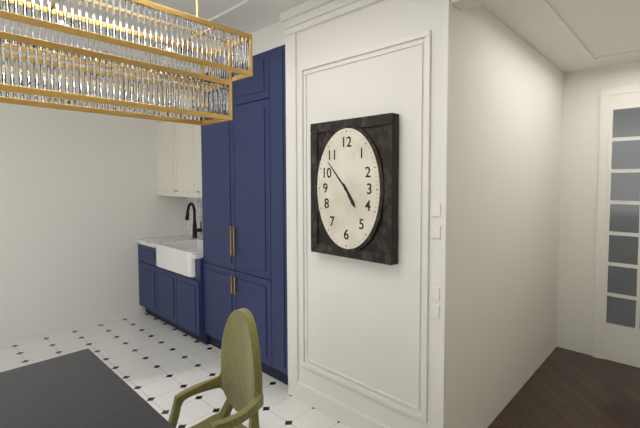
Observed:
4:53
